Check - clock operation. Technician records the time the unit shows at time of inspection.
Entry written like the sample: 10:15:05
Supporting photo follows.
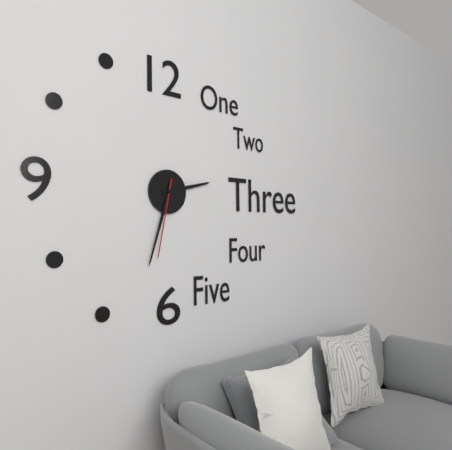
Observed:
2:33:32
